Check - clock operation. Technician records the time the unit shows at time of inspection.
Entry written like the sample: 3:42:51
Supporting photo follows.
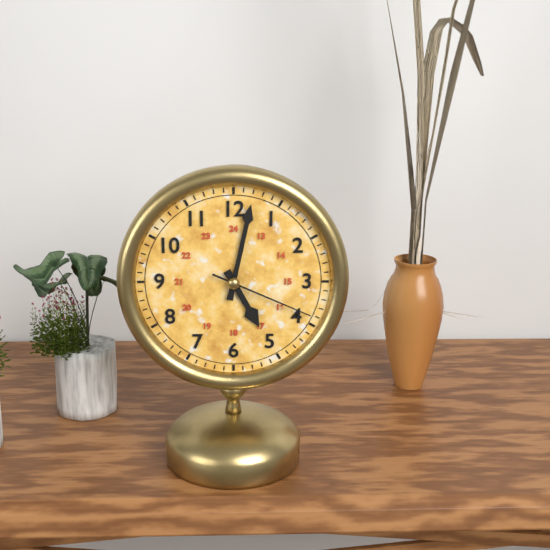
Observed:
5:02:19
